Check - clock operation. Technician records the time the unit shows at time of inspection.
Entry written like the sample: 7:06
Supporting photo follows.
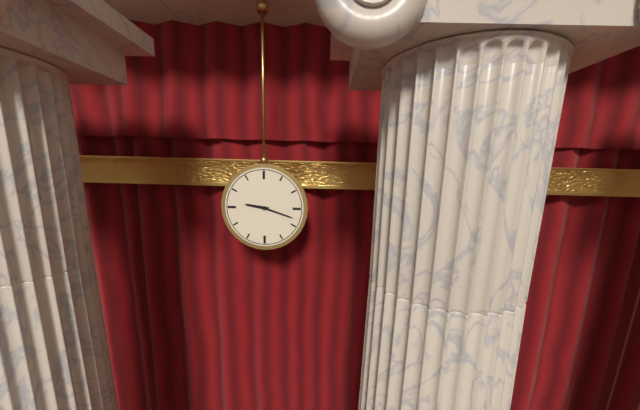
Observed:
9:18
